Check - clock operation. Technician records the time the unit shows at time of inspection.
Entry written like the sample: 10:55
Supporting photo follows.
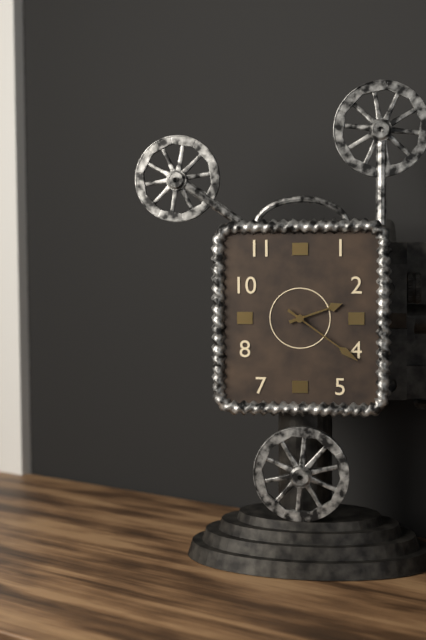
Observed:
2:21
